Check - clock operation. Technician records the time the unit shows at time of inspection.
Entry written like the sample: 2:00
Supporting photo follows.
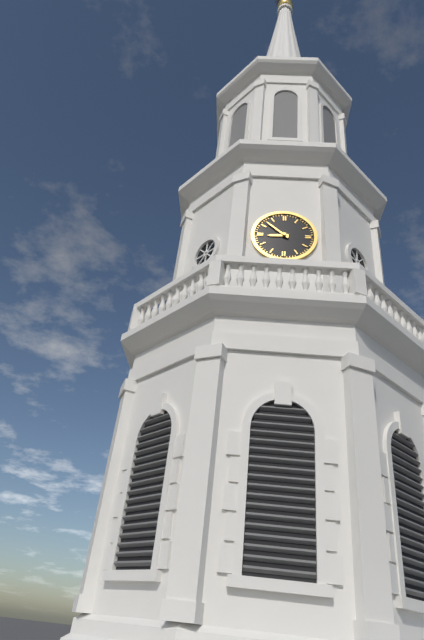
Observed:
8:52
